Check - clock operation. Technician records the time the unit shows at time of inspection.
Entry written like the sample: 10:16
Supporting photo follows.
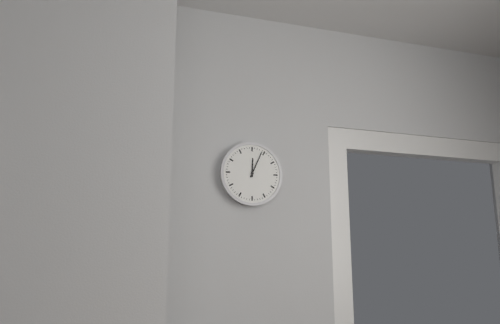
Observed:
12:04
